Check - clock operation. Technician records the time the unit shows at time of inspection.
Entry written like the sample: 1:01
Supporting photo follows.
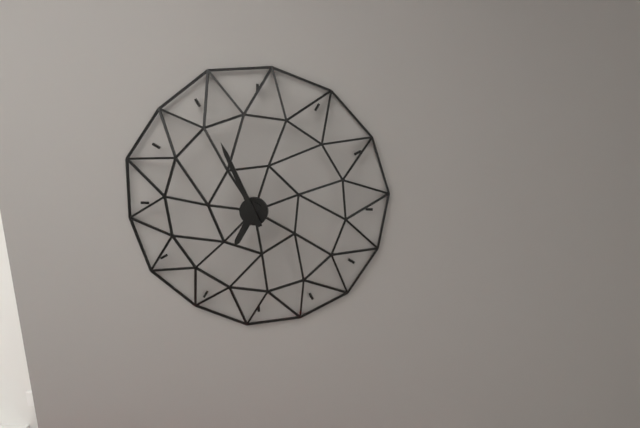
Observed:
6:56
